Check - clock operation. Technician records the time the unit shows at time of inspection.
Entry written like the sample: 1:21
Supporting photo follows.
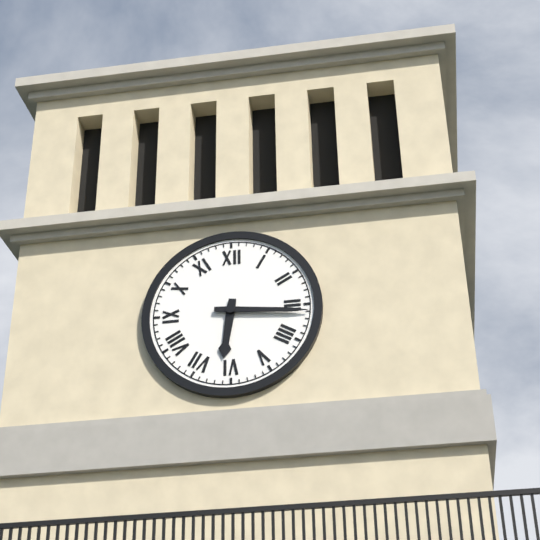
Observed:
6:16
